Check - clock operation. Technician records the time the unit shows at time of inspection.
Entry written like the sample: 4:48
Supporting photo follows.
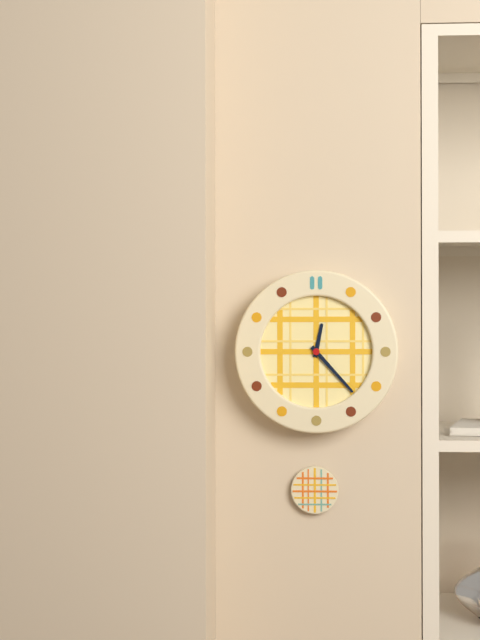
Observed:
12:23
